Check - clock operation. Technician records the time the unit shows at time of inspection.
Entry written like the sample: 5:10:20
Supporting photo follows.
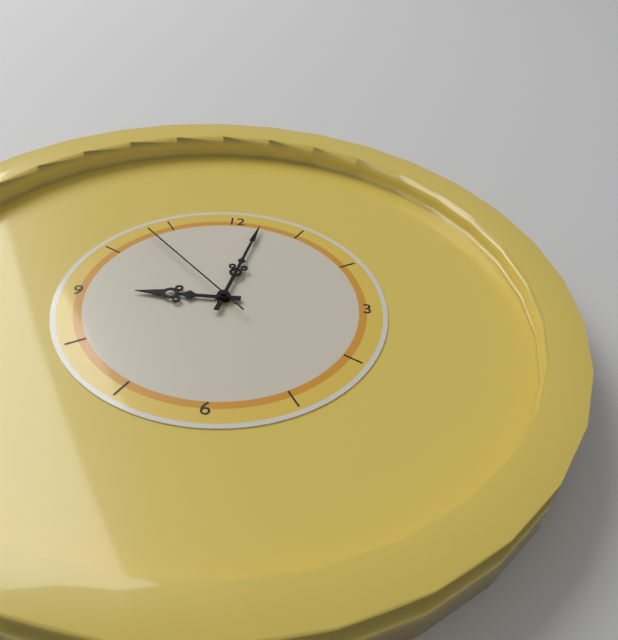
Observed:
9:02:53
